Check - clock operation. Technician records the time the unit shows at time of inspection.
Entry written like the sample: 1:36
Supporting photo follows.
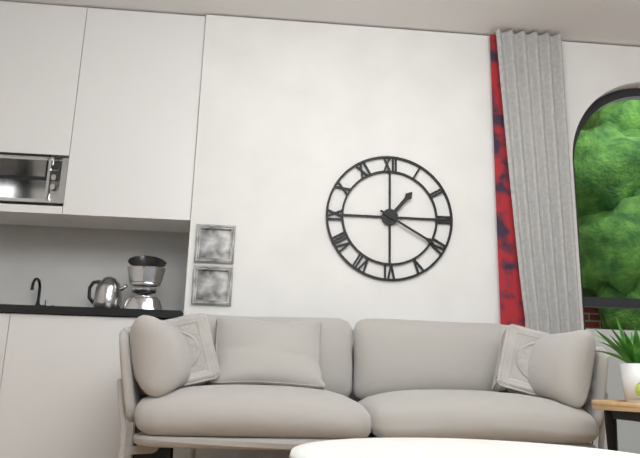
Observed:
1:20
